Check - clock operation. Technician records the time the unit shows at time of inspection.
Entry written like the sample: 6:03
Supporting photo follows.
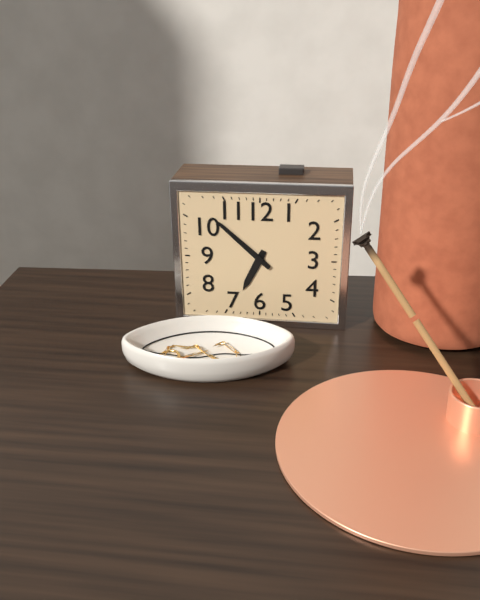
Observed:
6:52
